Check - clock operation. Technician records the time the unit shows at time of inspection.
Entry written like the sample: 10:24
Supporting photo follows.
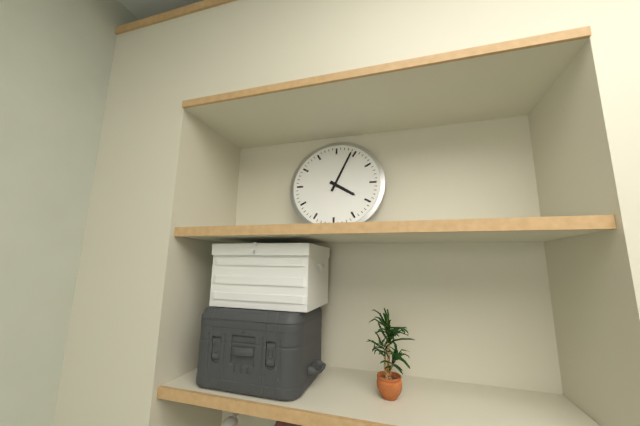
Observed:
4:04
